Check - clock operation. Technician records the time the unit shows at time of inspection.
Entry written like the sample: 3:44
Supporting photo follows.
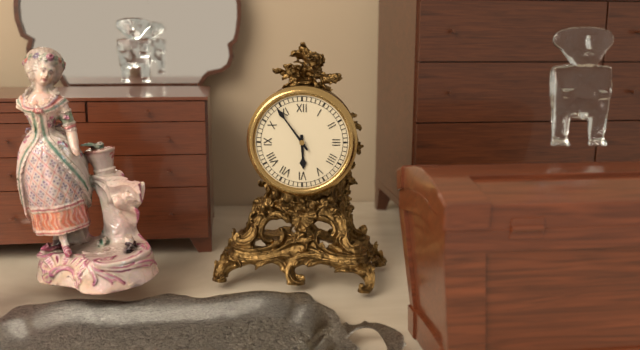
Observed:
5:54
